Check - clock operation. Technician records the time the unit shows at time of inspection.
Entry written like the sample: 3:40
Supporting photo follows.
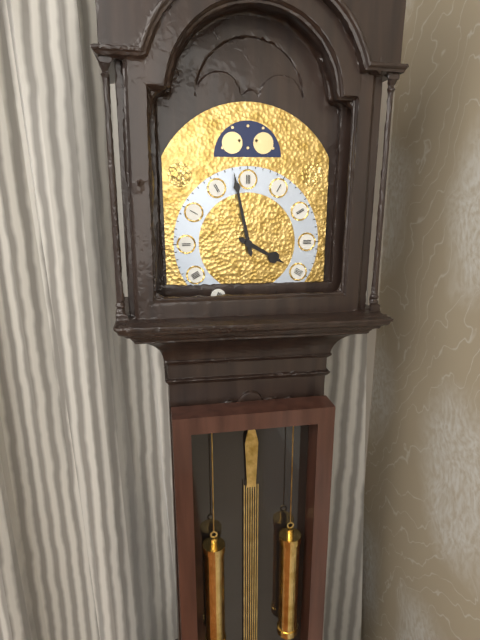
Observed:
3:58
